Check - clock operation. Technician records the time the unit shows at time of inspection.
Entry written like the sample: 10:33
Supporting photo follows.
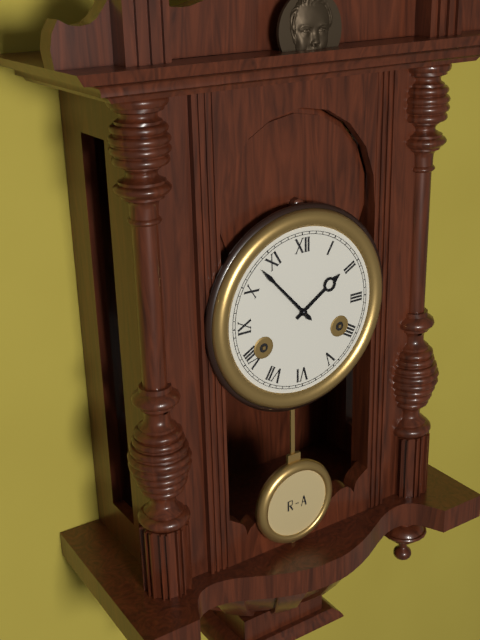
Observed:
1:53
